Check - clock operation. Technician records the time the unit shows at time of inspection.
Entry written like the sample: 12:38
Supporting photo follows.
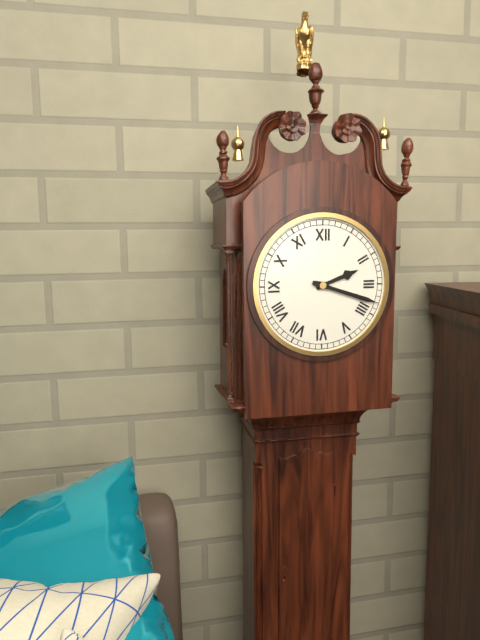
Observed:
2:18
